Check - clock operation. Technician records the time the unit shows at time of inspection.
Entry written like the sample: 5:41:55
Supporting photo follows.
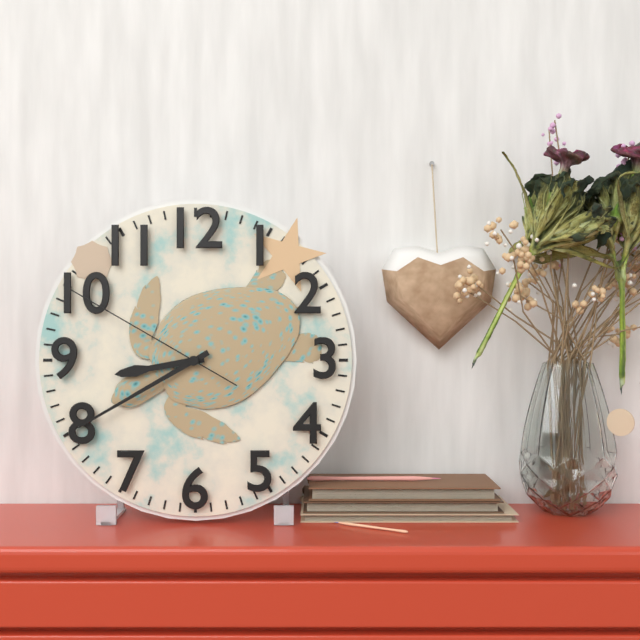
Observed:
8:40:50
